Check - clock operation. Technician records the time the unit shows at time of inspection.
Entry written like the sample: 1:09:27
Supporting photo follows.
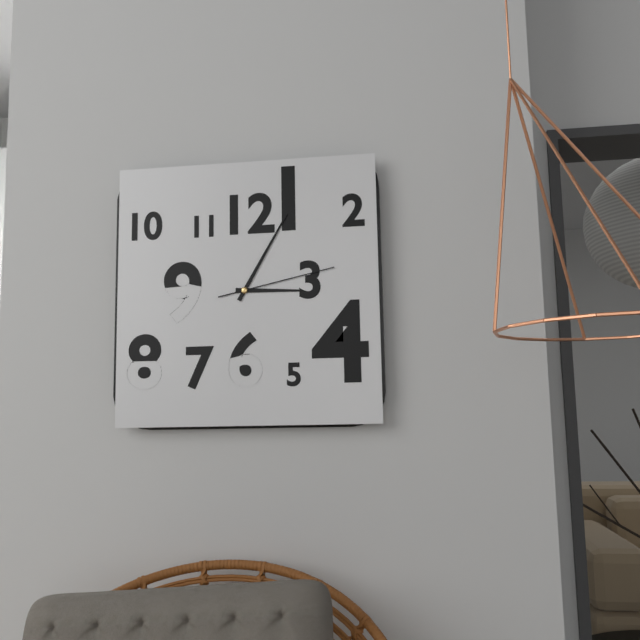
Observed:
3:05:13
